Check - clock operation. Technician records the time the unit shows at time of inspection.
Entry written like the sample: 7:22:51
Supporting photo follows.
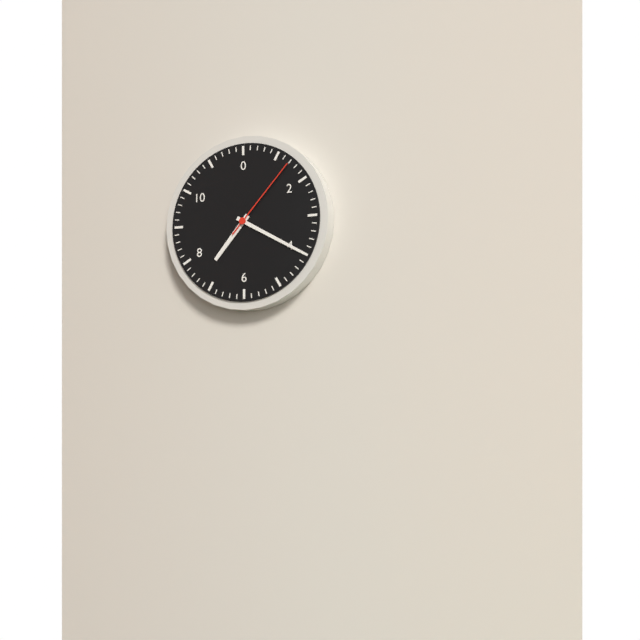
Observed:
7:20:07
